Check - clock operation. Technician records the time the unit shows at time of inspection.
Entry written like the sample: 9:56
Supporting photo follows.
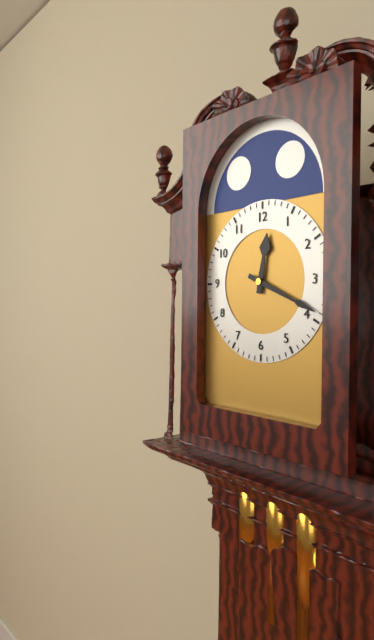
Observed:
12:19
